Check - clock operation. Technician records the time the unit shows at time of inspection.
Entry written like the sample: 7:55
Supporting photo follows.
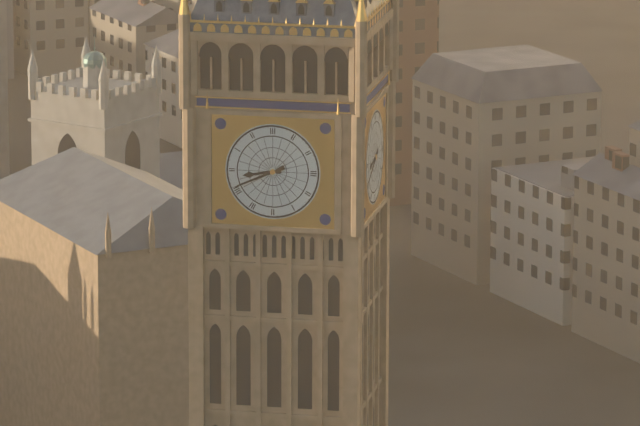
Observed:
8:41
